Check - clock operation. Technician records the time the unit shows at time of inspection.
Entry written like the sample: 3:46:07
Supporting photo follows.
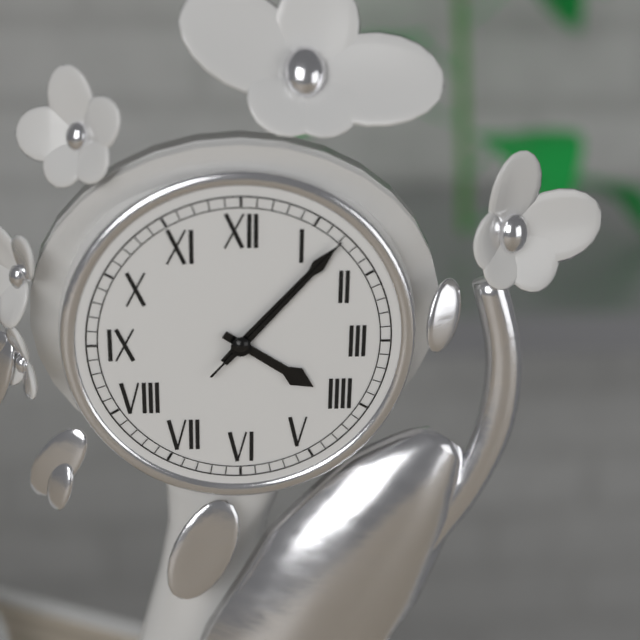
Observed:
4:07:07
